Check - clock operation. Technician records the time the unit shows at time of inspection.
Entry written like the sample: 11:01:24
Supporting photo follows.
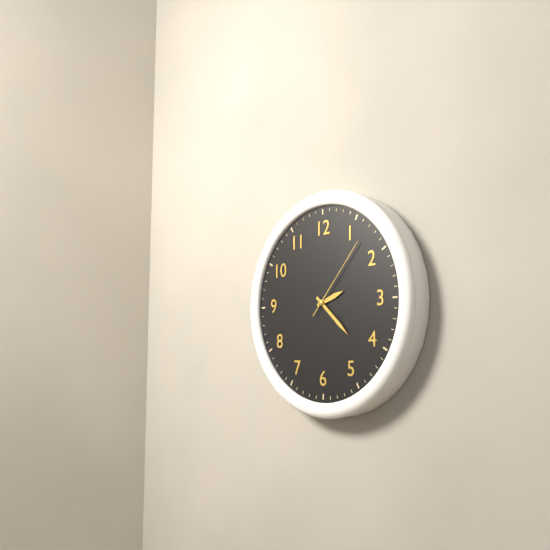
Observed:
2:22:07
